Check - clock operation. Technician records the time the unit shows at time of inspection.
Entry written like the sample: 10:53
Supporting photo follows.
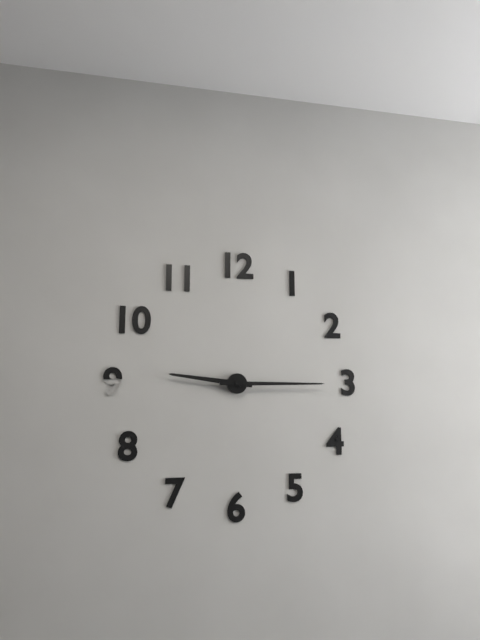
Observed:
9:15
